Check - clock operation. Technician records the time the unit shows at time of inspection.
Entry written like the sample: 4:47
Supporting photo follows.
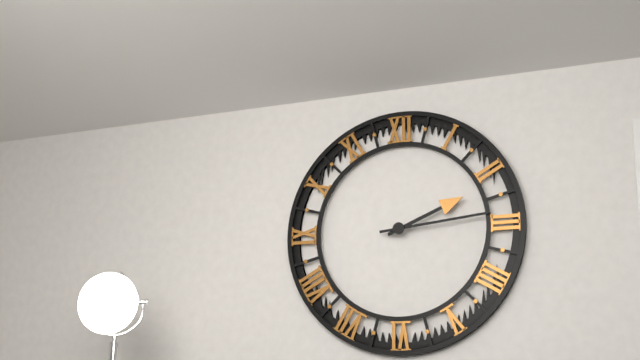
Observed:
2:14
